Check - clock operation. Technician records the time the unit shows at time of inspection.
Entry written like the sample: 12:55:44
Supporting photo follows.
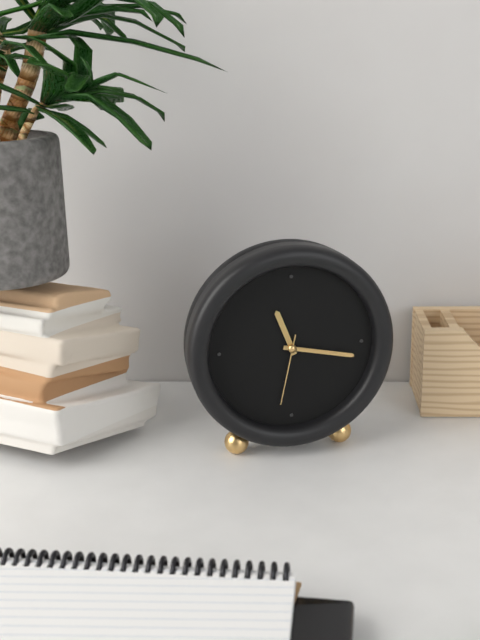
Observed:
11:17:32
